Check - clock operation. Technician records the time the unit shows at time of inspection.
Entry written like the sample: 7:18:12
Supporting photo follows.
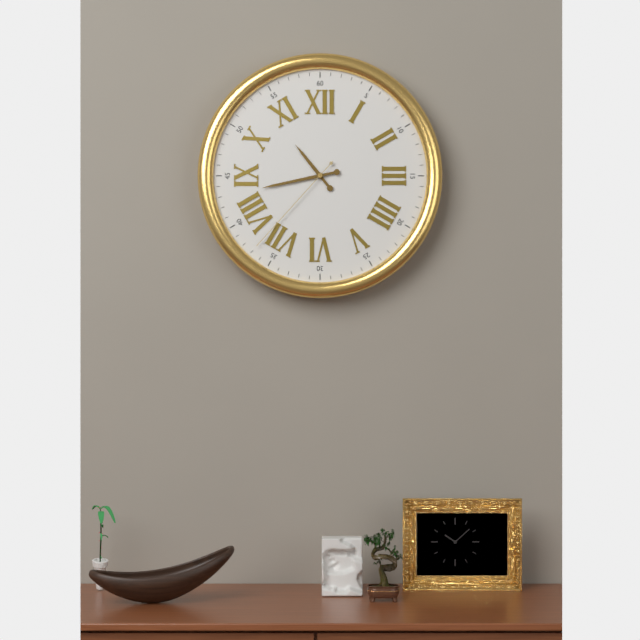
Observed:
10:43:37
